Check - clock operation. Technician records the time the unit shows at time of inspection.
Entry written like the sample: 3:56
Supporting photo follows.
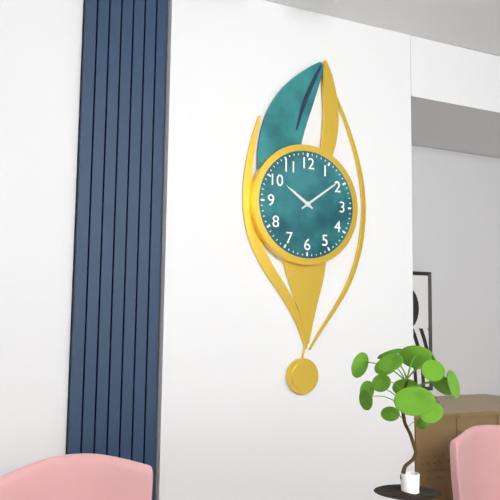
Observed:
10:09
